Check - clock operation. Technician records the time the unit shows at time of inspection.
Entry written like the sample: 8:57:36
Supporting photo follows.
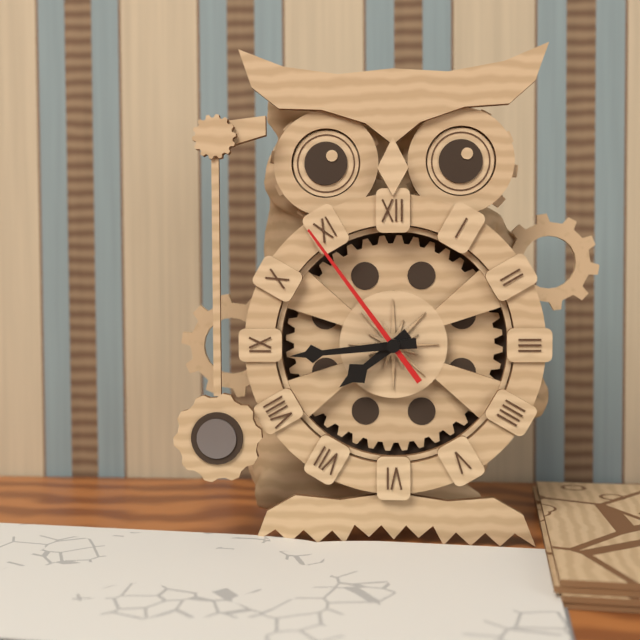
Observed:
7:44:54
